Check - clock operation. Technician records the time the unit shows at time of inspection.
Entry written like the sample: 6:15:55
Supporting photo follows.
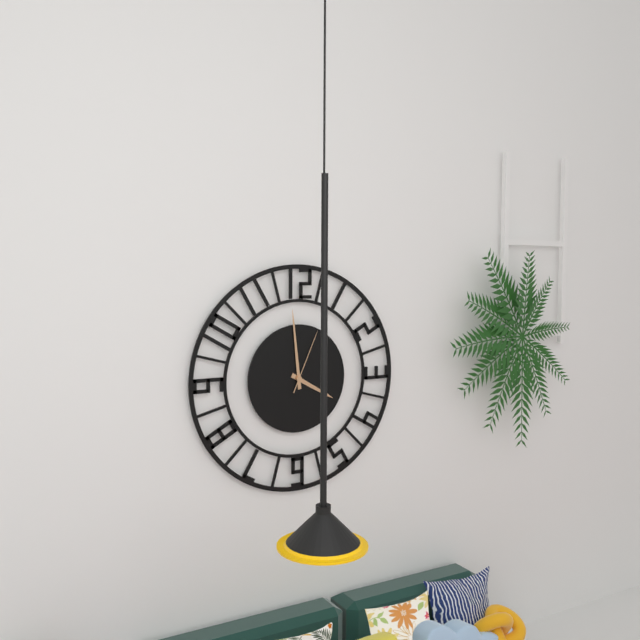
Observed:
3:59:04
